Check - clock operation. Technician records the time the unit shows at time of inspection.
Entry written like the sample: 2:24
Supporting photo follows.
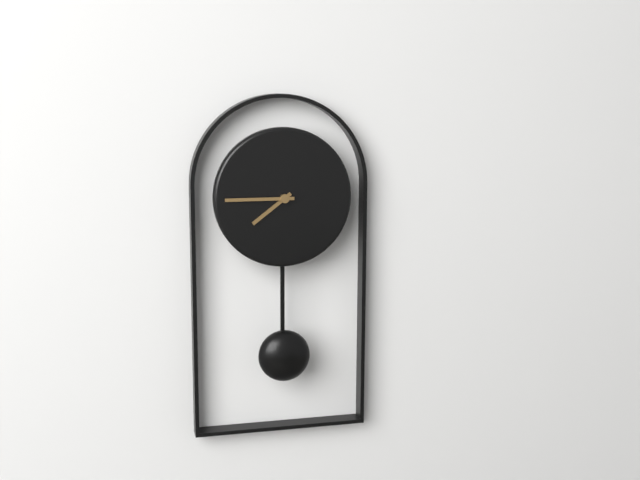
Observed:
7:45
